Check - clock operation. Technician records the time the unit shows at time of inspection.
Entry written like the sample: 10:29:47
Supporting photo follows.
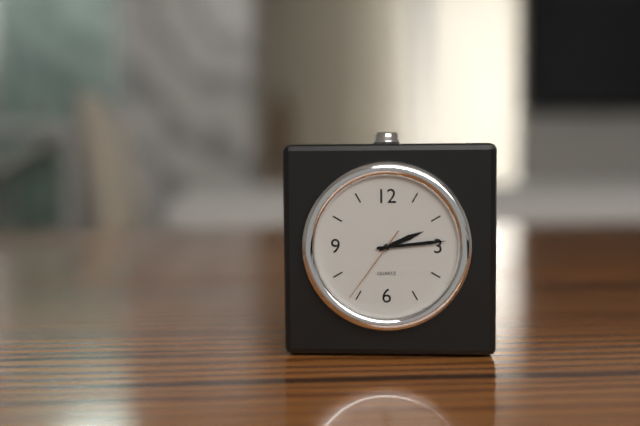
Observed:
2:14:36
